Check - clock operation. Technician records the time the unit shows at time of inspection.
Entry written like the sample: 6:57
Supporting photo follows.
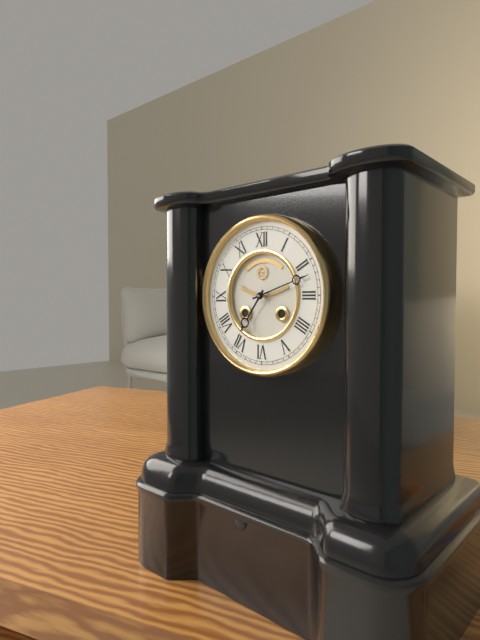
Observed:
7:12
